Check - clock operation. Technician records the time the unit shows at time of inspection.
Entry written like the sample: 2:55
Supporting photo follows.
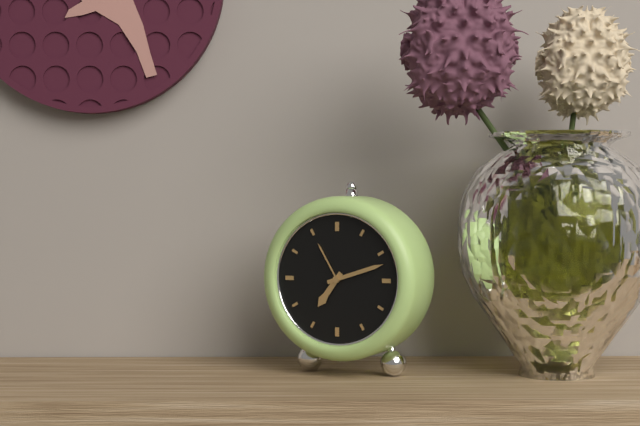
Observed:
7:12
